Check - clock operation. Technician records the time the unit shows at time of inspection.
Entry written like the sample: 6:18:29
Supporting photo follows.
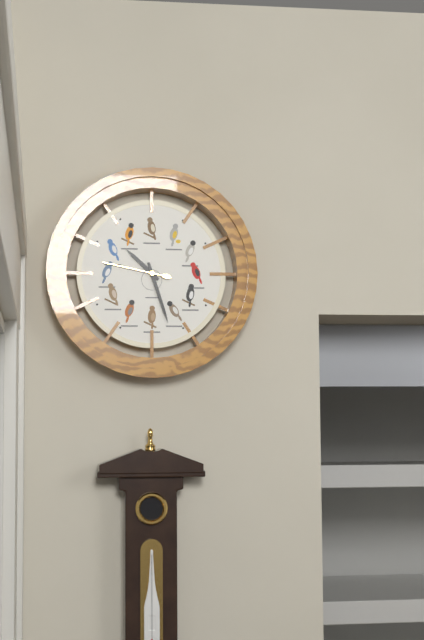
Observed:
10:27:47
